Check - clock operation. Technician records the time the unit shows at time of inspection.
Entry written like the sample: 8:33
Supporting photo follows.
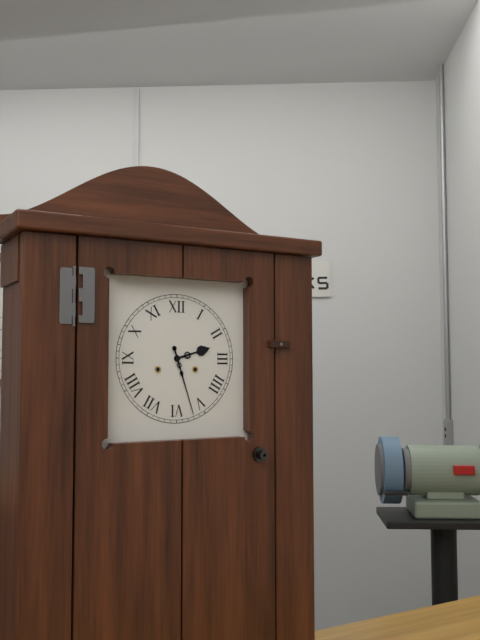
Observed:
2:27
